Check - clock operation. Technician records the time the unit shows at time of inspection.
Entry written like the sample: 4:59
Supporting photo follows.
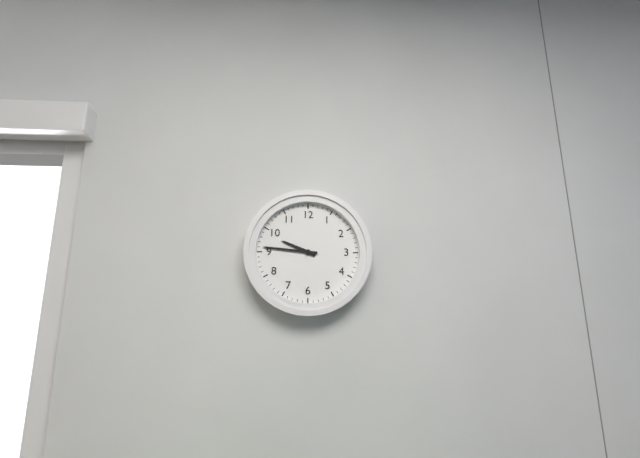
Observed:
9:46
